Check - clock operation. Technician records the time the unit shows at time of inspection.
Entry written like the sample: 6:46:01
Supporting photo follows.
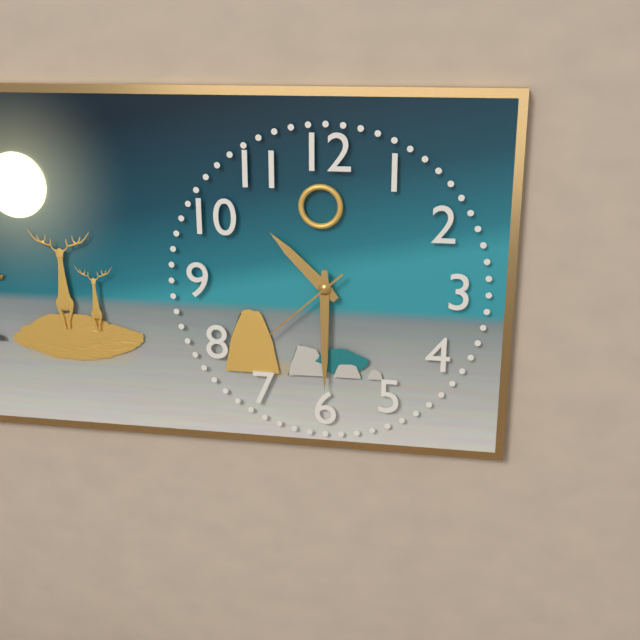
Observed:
10:30:38
